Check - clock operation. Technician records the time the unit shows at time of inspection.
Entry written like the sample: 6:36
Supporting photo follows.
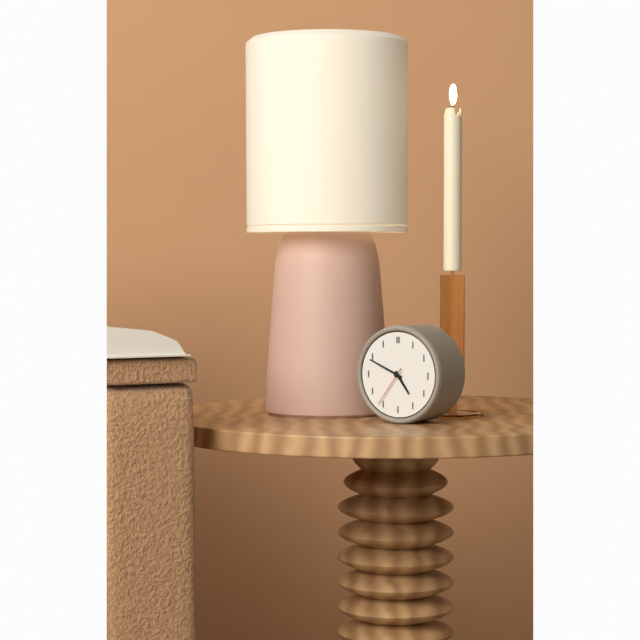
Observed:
4:49
